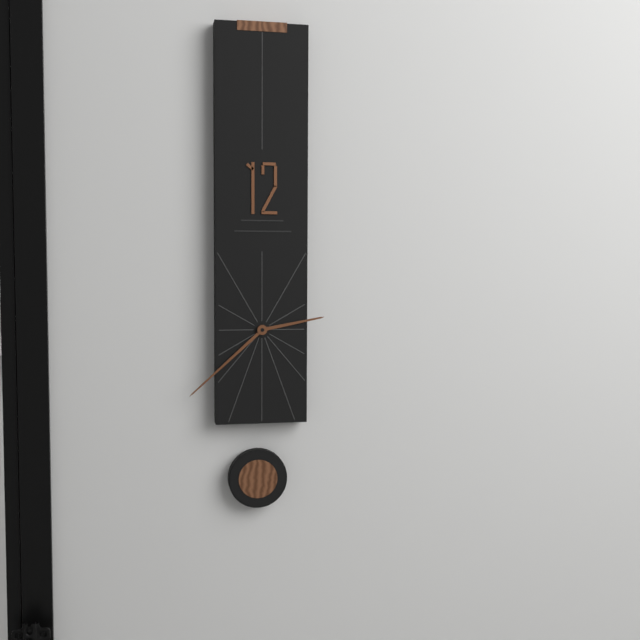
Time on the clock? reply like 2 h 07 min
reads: 2 h 38 min
